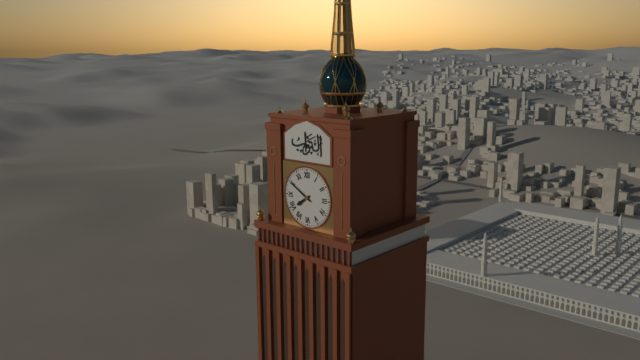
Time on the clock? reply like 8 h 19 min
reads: 7 h 50 min
